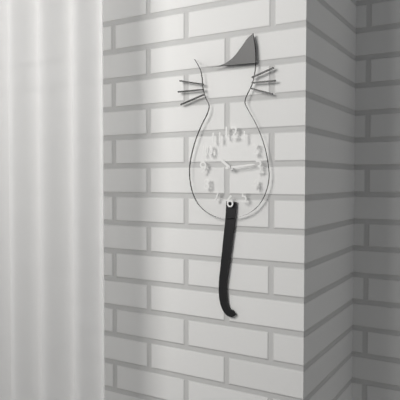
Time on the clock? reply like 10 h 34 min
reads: 10 h 14 min
